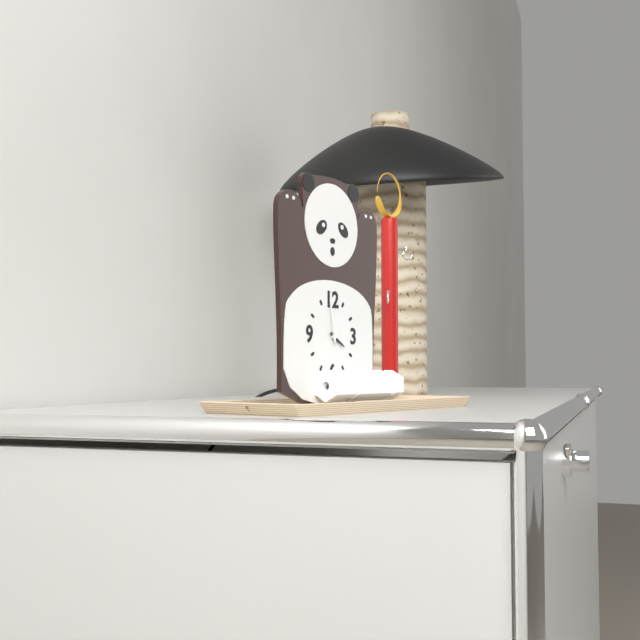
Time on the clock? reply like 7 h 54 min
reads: 3 h 58 min
